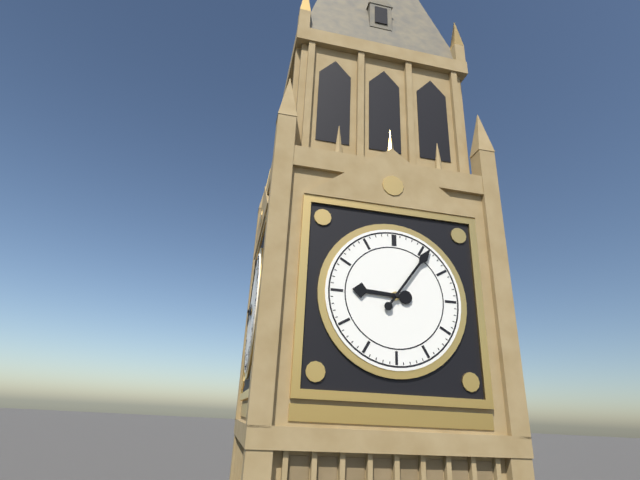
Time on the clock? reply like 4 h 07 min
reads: 9 h 06 min
